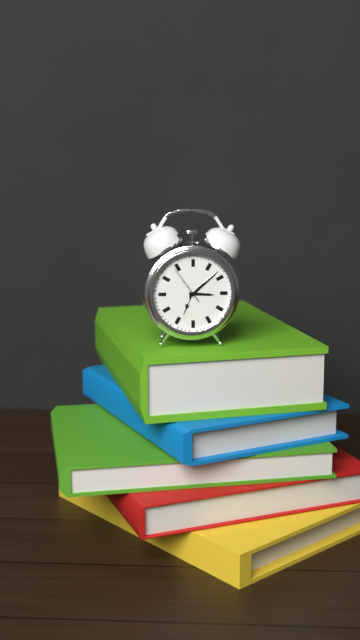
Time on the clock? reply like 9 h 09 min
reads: 3 h 08 min
